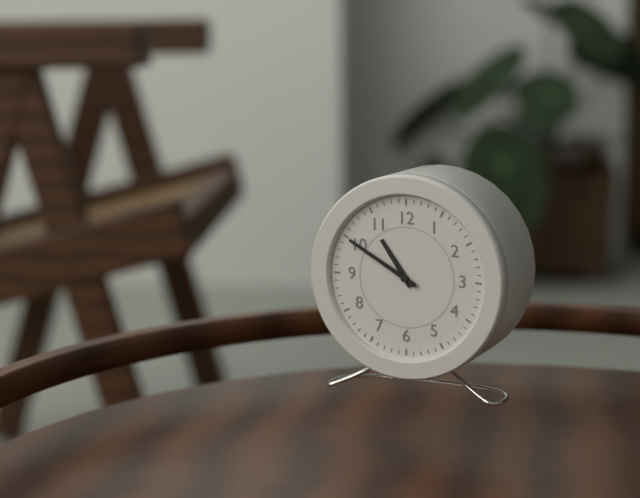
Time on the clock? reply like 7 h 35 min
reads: 10 h 50 min
